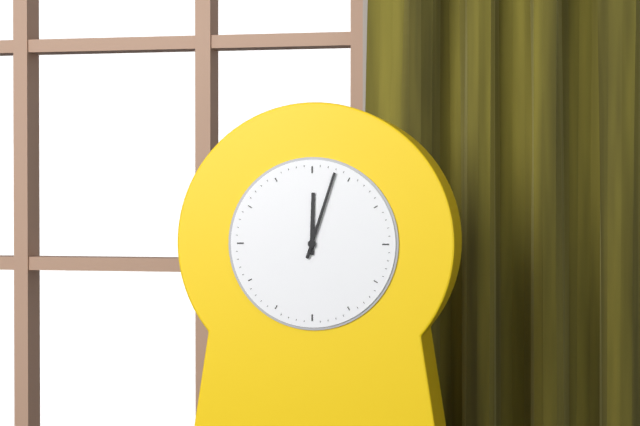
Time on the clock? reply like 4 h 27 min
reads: 12 h 03 min
